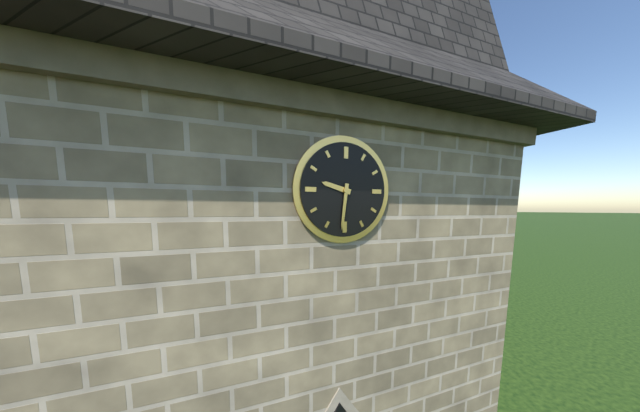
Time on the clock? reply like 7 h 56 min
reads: 9 h 31 min
